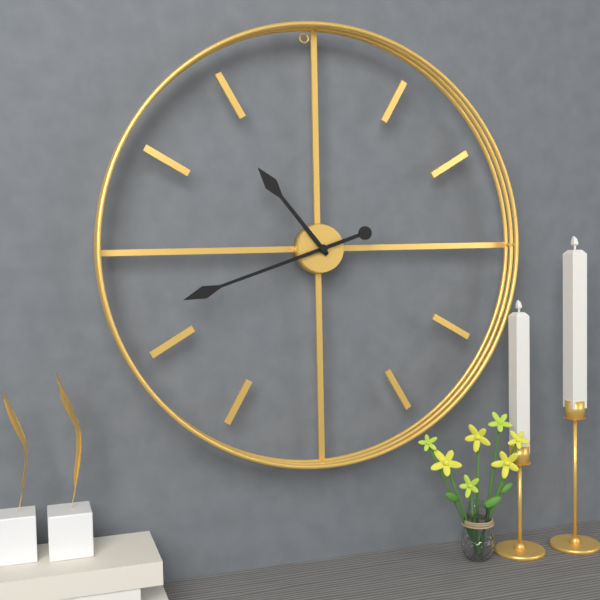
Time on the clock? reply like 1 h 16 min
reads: 10 h 42 min
